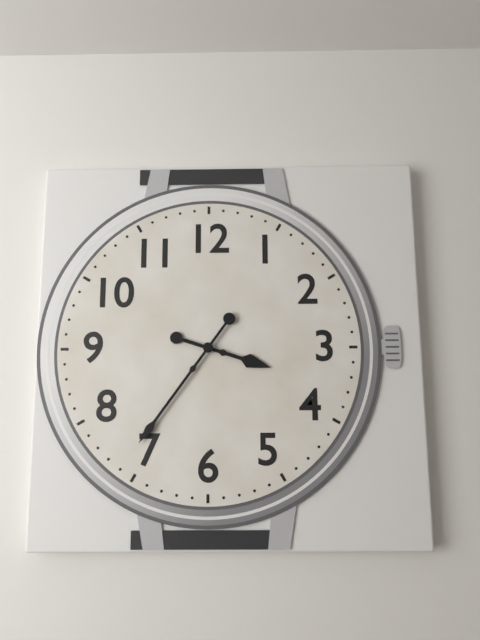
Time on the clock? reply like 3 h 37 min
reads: 3 h 36 min
